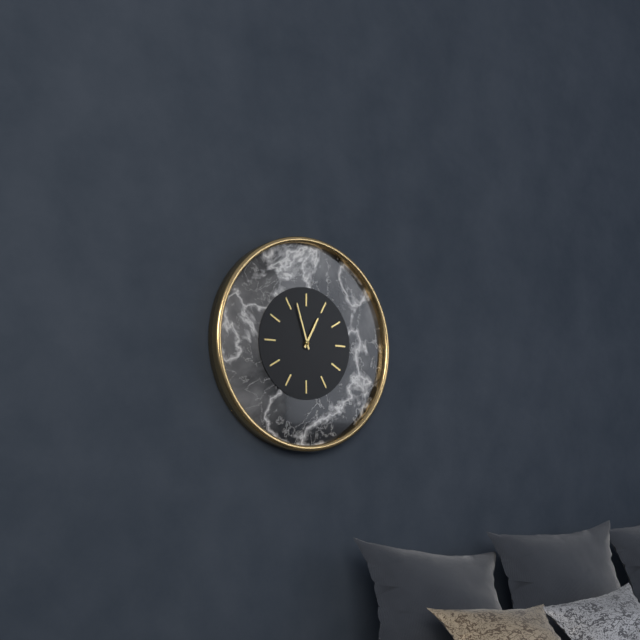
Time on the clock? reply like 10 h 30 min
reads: 12 h 57 min
